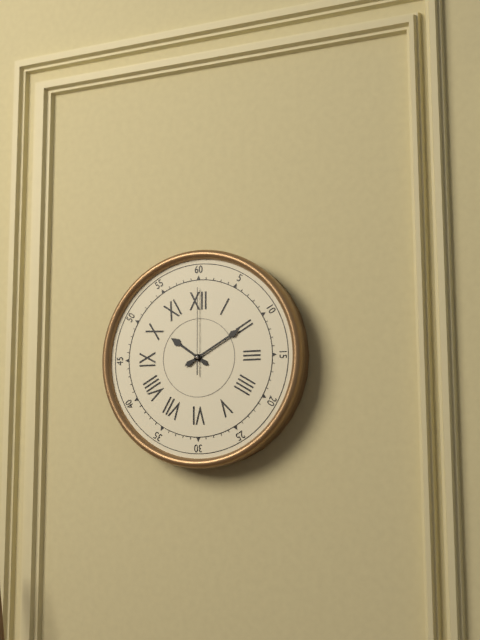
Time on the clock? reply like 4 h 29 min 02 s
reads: 10 h 10 min 00 s
